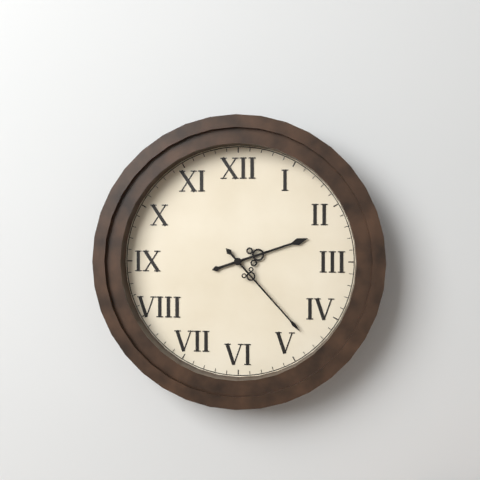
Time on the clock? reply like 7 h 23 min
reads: 2 h 23 min
